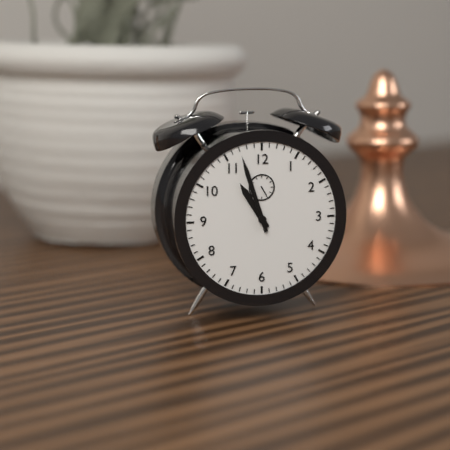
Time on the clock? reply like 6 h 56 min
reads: 10 h 57 min
